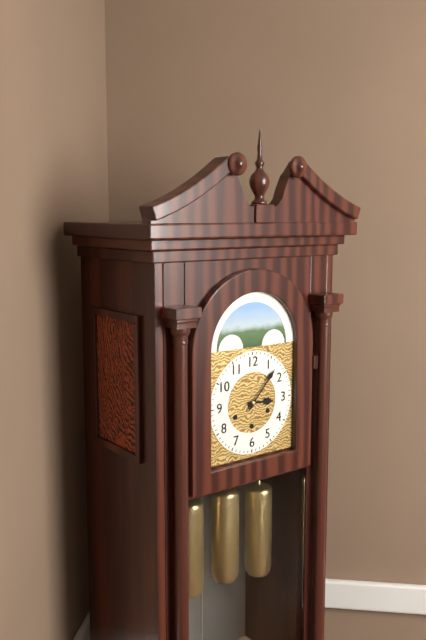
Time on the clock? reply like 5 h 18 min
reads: 3 h 07 min
